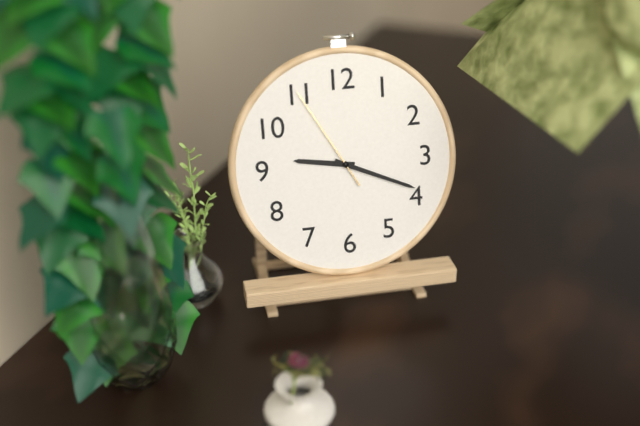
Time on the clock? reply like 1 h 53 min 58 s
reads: 9 h 19 min 55 s
